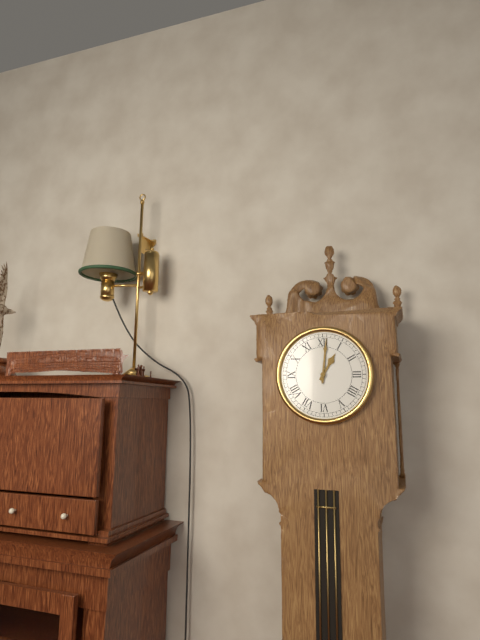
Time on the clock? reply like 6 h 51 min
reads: 1 h 01 min
